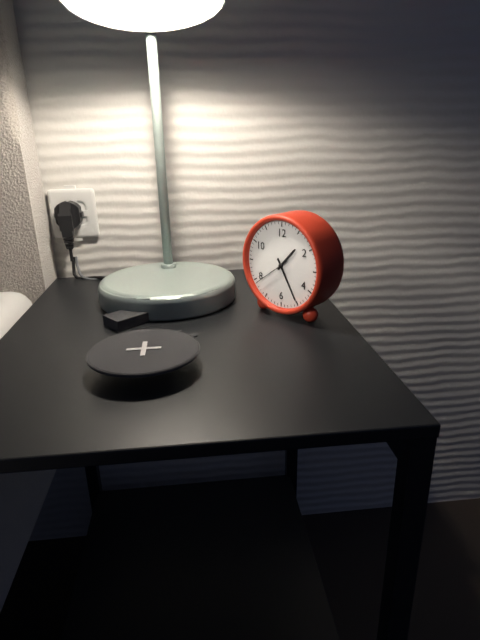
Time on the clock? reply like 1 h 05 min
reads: 1 h 25 min
